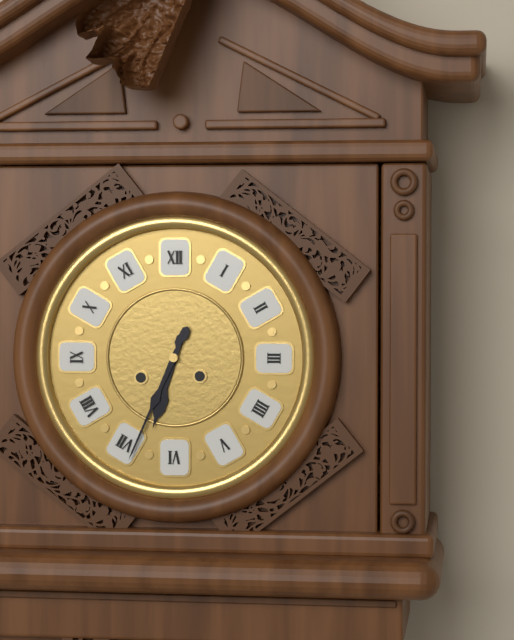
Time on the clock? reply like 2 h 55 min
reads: 6 h 34 min
